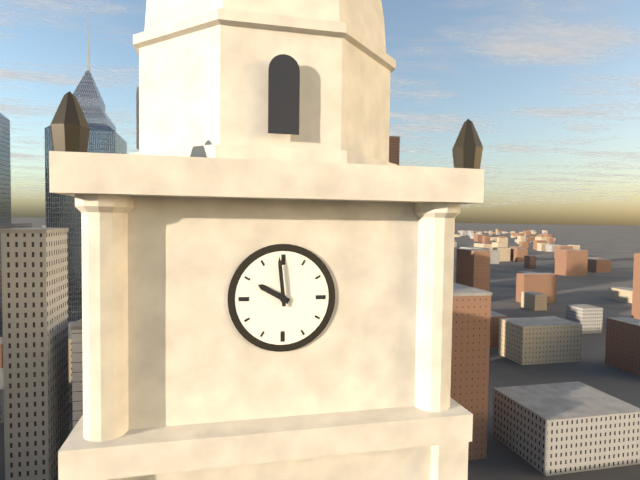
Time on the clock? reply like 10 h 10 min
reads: 9 h 59 min
